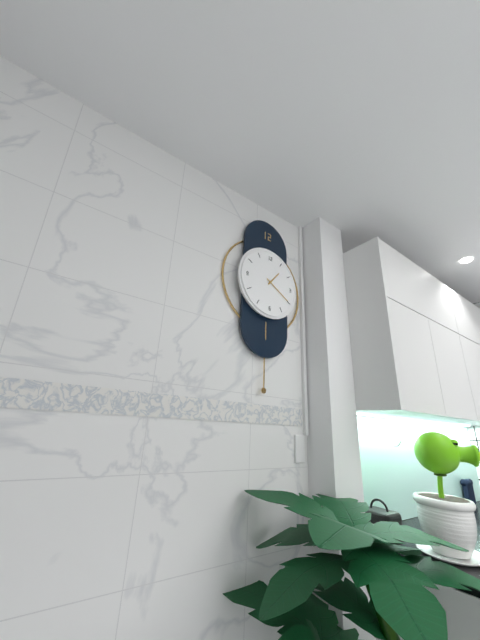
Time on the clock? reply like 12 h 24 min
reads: 1 h 20 min
